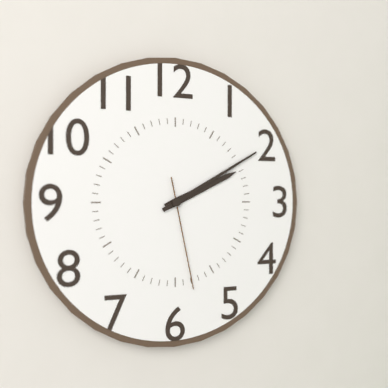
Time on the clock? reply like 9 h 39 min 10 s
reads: 2 h 10 min 28 s
